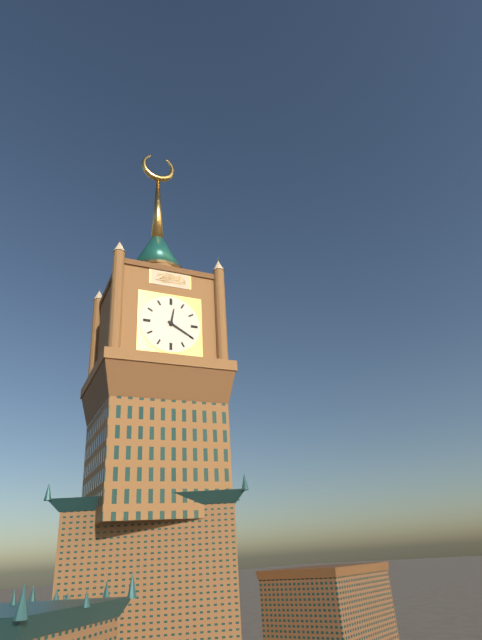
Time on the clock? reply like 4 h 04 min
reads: 12 h 20 min
